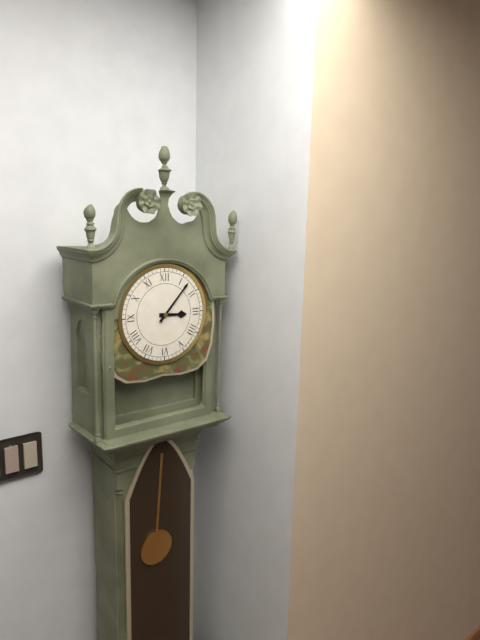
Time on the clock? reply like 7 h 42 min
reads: 3 h 07 min
